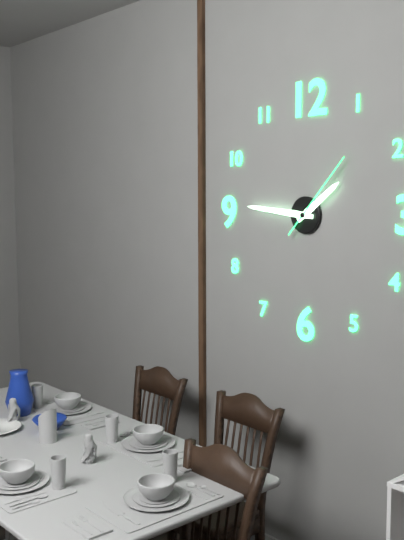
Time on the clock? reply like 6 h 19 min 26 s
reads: 1 h 46 min 07 s
